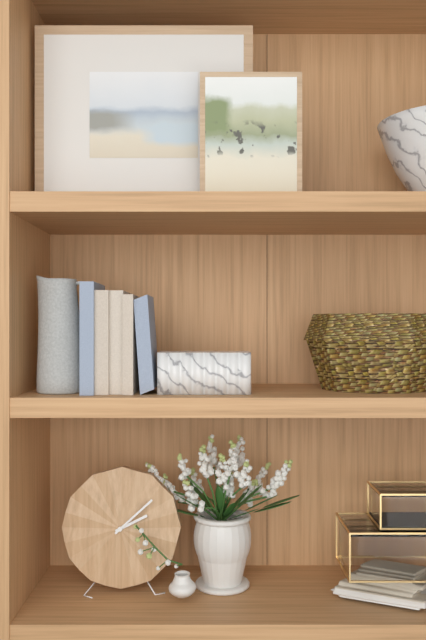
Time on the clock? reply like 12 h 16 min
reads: 2 h 08 min
